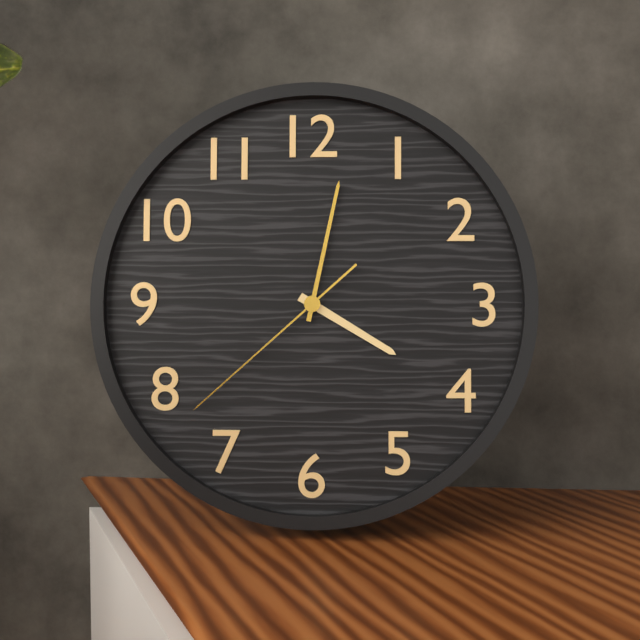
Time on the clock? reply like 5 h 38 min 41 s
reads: 4 h 02 min 38 s
